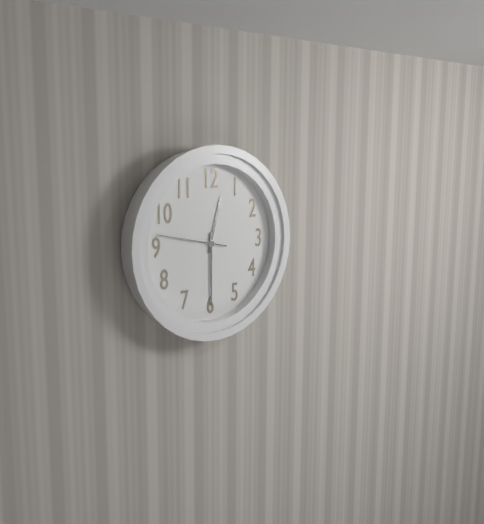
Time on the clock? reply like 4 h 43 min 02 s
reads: 12 h 30 min 47 s
